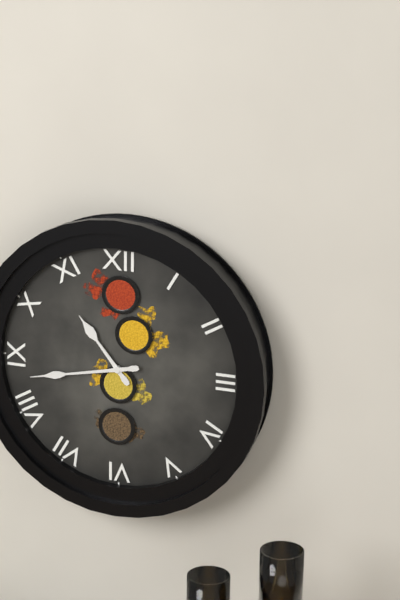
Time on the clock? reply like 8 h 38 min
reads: 10 h 43 min
